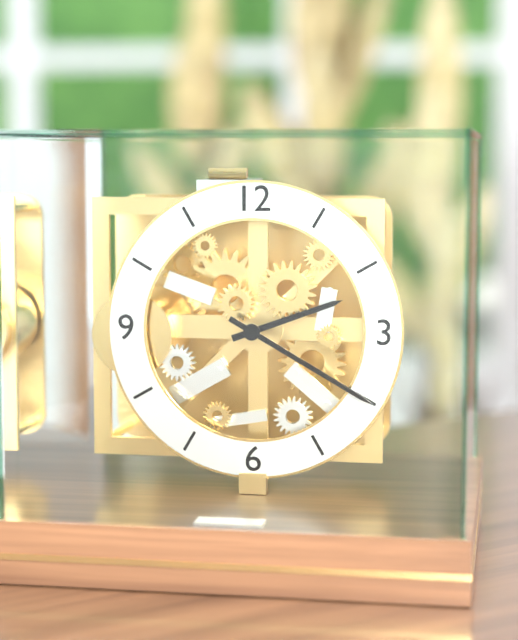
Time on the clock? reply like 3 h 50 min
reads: 2 h 20 min
